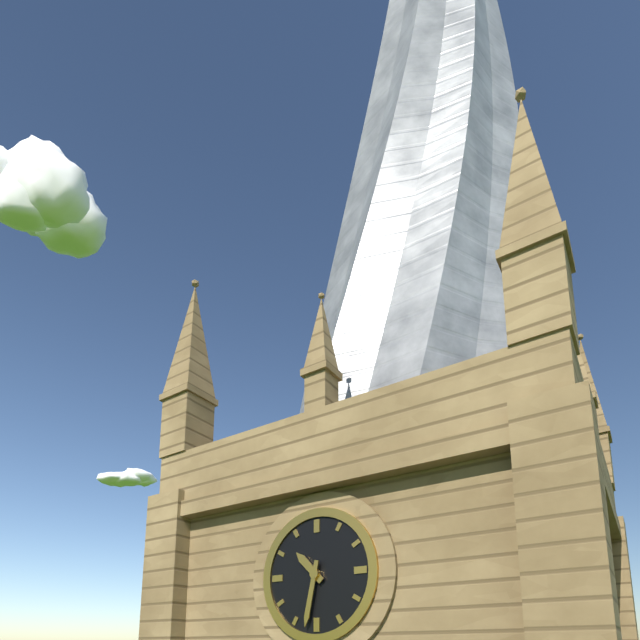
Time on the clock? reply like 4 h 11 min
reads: 10 h 32 min
